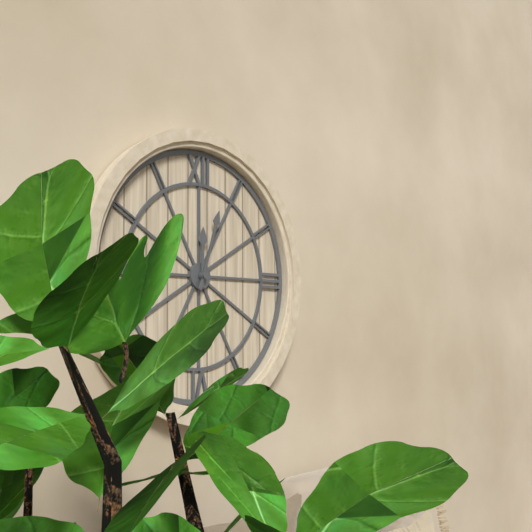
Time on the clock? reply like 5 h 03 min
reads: 12 h 03 min
